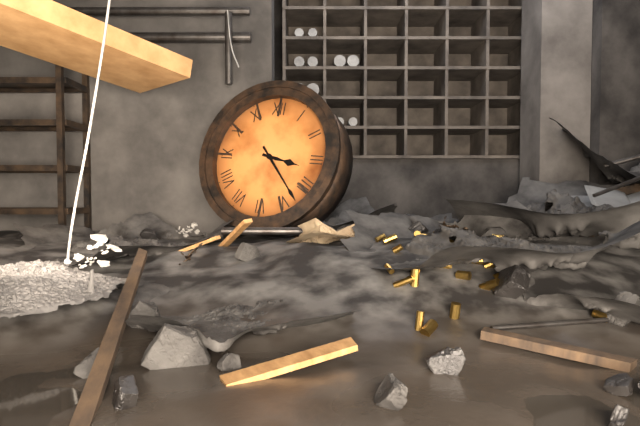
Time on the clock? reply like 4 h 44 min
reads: 3 h 23 min
